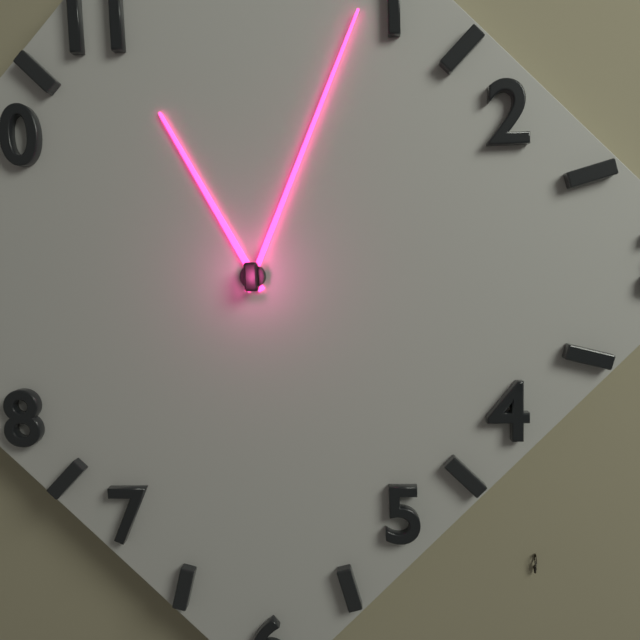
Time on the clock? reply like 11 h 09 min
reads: 11 h 04 min
